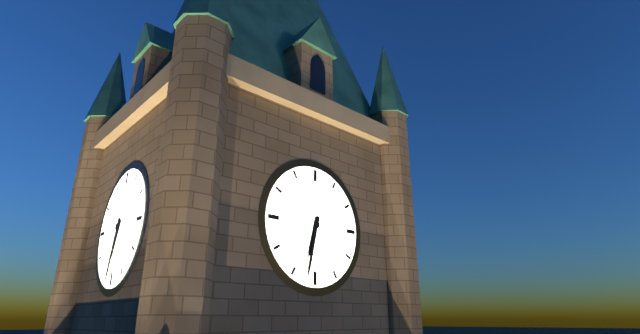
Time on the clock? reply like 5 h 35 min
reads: 6 h 32 min
